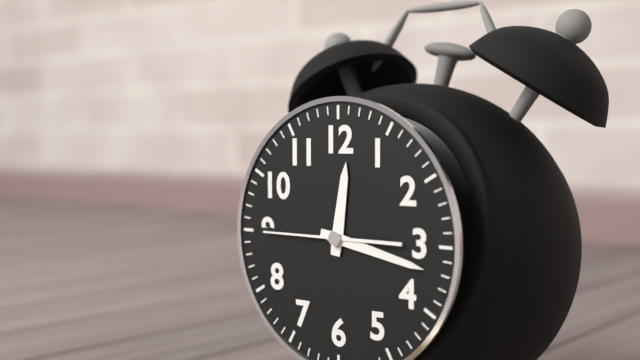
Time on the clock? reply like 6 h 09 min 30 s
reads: 12 h 17 min 45 s
